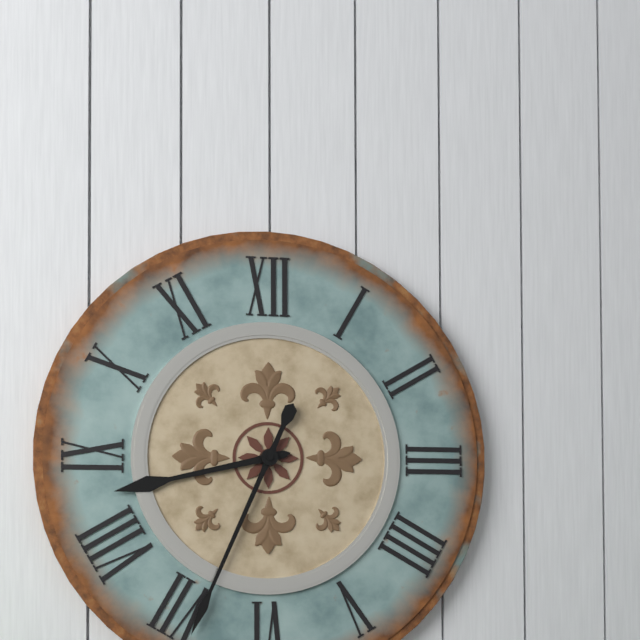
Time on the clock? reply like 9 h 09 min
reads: 8 h 34 min
